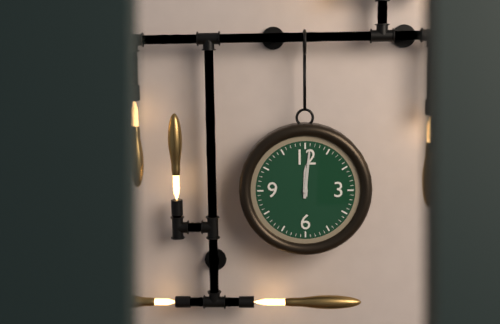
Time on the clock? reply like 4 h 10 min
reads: 12 h 01 min
